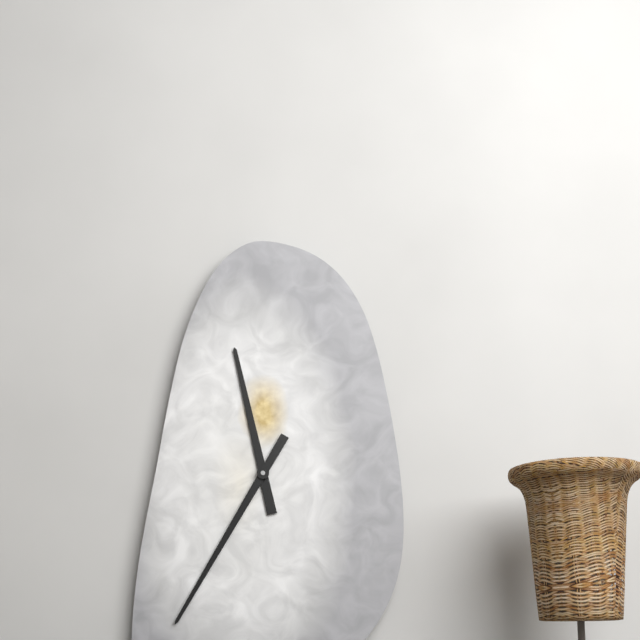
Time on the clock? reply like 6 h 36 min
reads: 11 h 35 min
